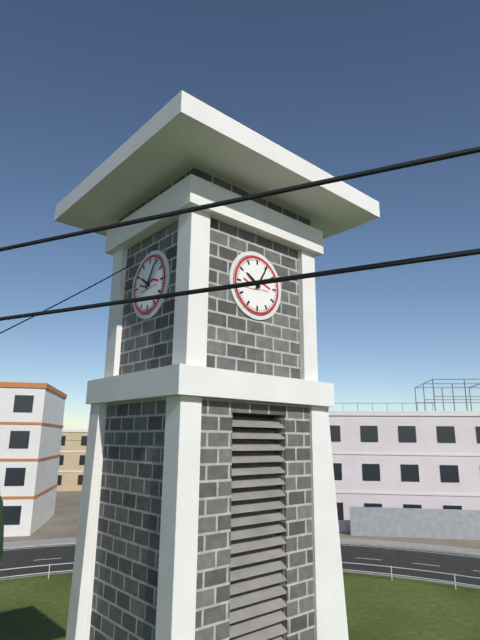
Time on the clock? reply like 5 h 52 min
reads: 10 h 05 min
